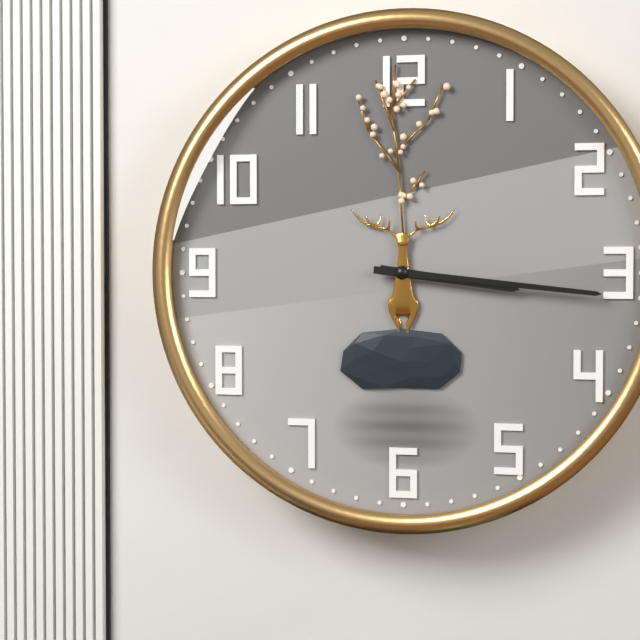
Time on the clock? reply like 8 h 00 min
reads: 3 h 16 min
